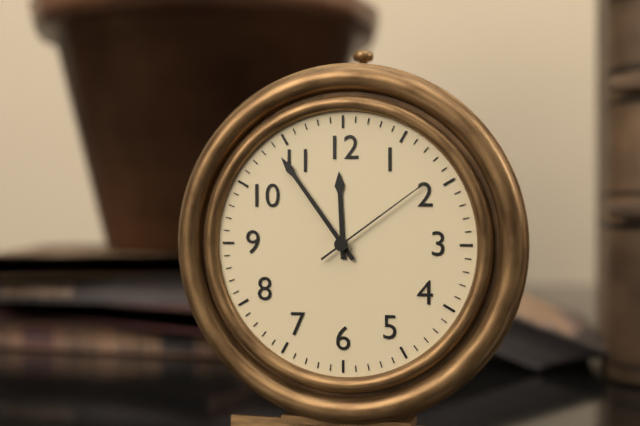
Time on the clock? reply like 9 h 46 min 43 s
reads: 11 h 54 min 09 s
